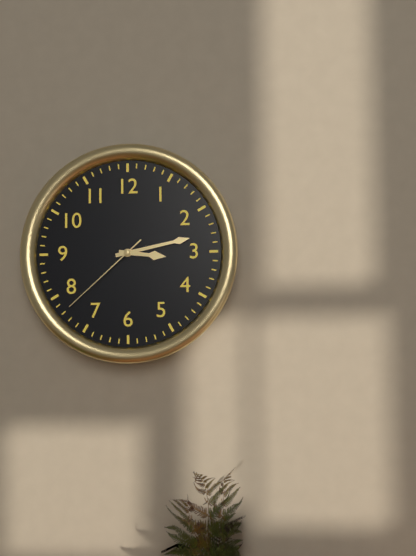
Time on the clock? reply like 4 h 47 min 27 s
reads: 3 h 13 min 38 s
